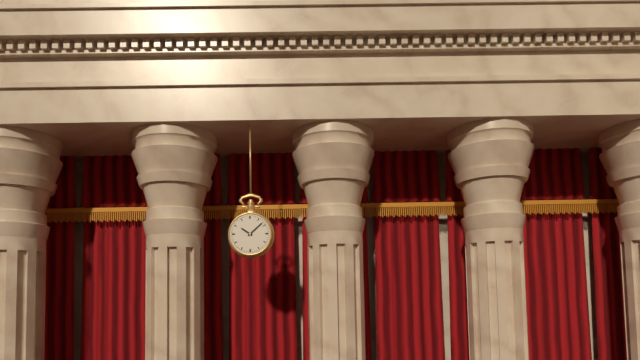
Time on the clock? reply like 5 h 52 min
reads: 10 h 08 min
